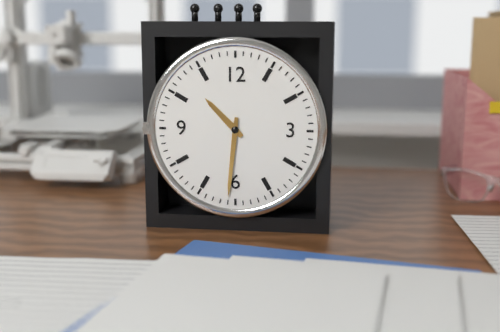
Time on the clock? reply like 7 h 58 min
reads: 10 h 31 min
